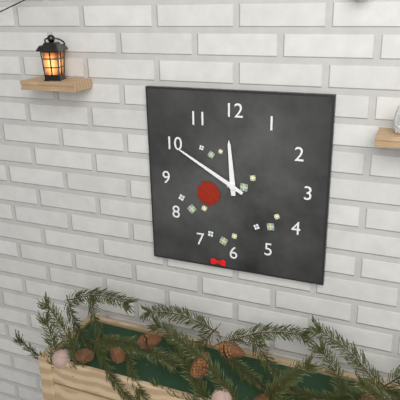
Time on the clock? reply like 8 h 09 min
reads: 11 h 50 min
